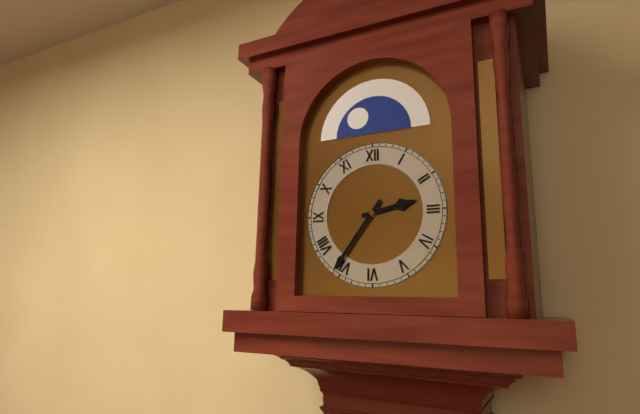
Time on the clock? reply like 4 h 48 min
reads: 2 h 36 min
